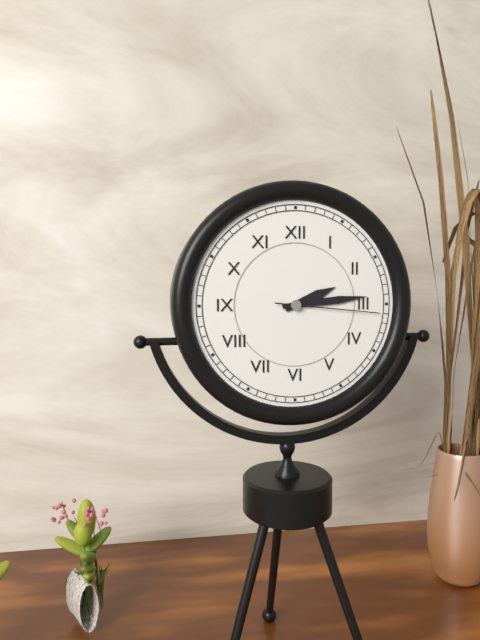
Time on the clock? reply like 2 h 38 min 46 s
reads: 2 h 14 min 16 s
